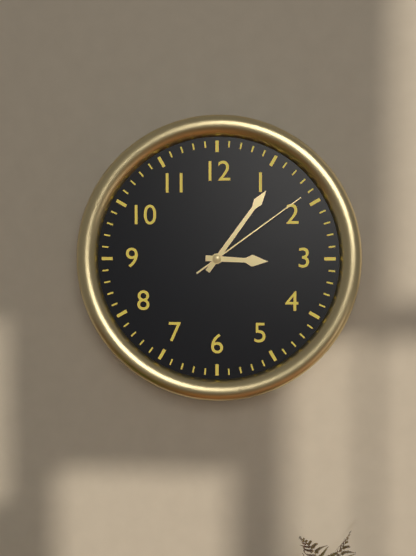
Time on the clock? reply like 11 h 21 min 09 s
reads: 3 h 06 min 09 s
